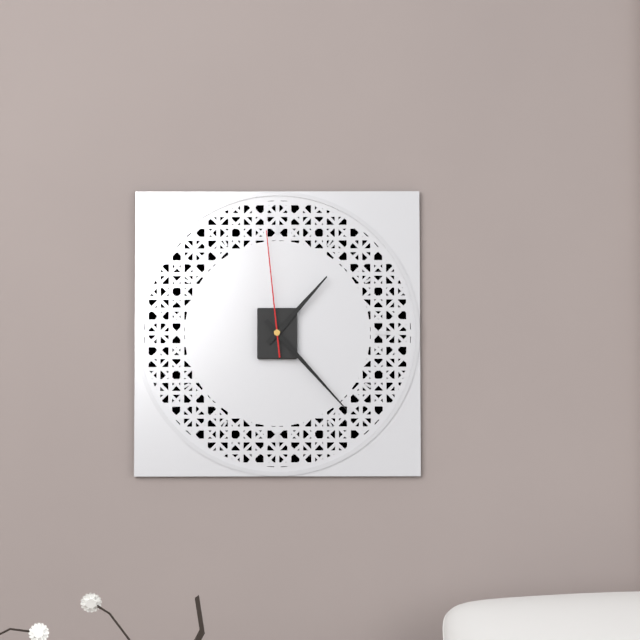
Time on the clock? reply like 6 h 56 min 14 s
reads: 1 h 23 min 59 s
